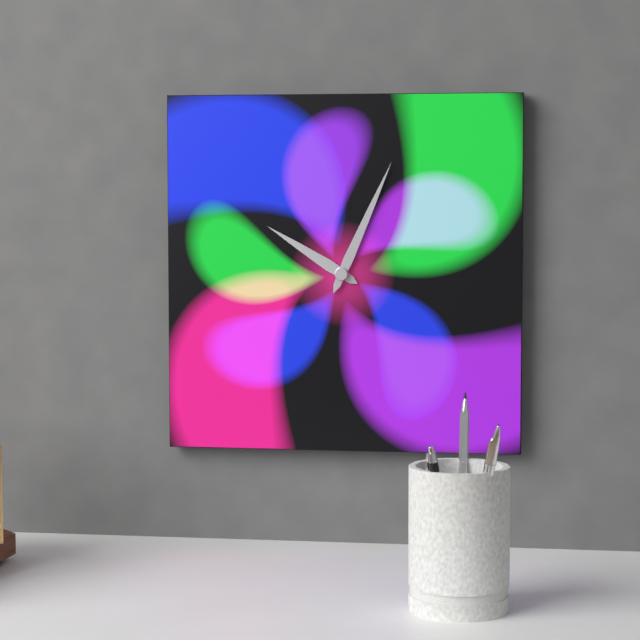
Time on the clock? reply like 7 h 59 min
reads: 10 h 04 min
